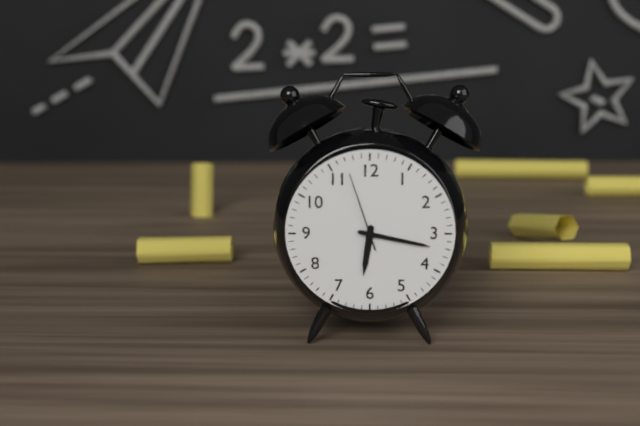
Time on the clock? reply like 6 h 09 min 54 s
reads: 6 h 17 min 57 s
